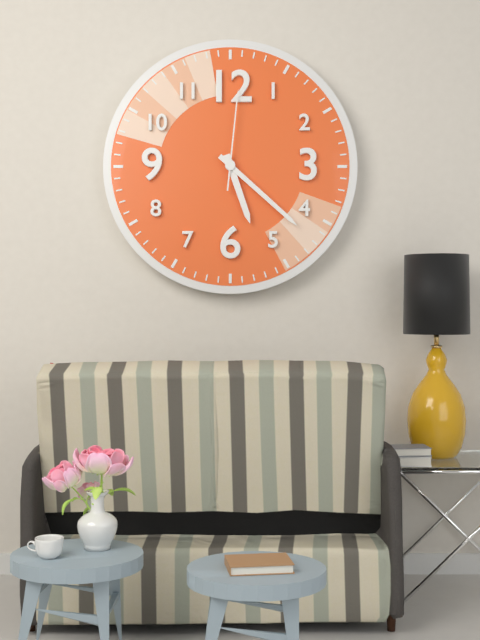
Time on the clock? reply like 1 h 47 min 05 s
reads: 5 h 22 min 01 s
